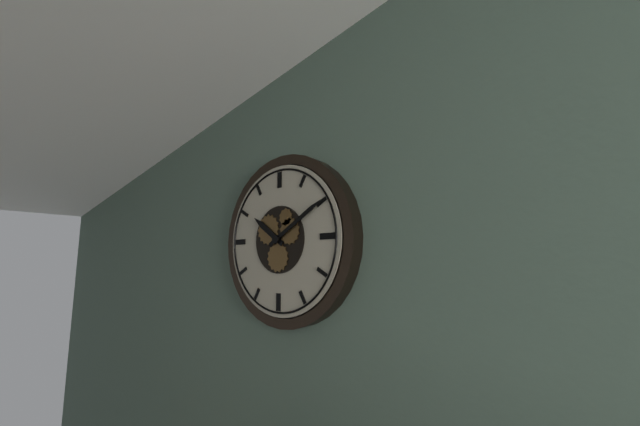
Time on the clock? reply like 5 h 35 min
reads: 10 h 10 min
